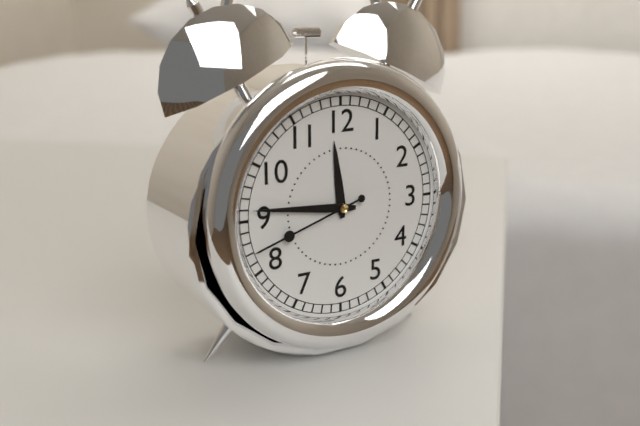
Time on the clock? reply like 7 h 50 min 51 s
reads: 11 h 46 min 42 s
